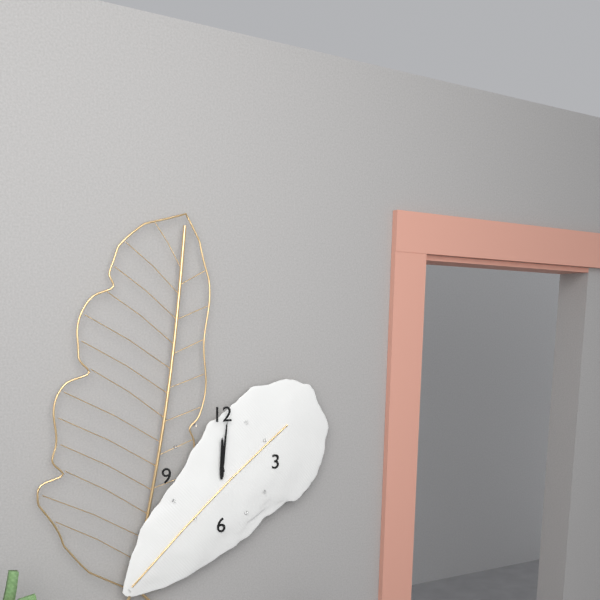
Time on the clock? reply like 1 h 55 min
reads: 12 h 01 min
